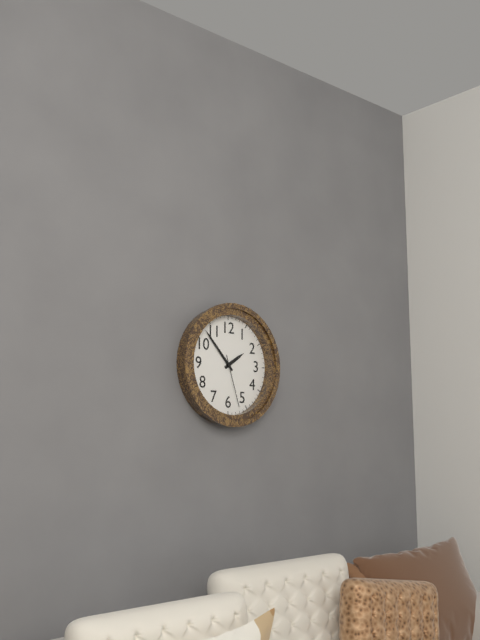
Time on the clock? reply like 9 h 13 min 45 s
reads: 1 h 53 min 27 s
